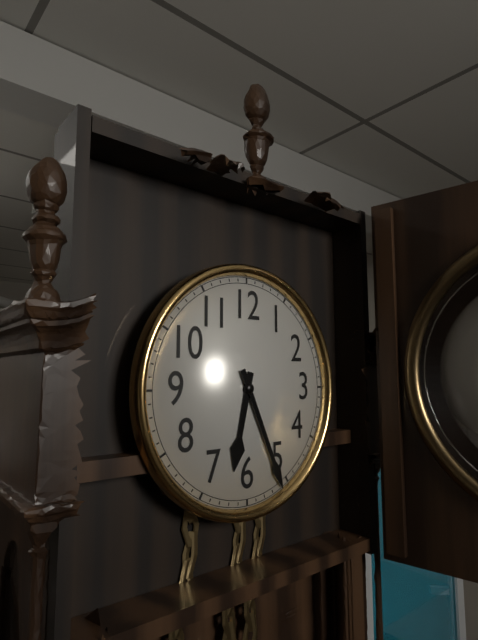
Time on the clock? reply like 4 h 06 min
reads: 6 h 26 min
